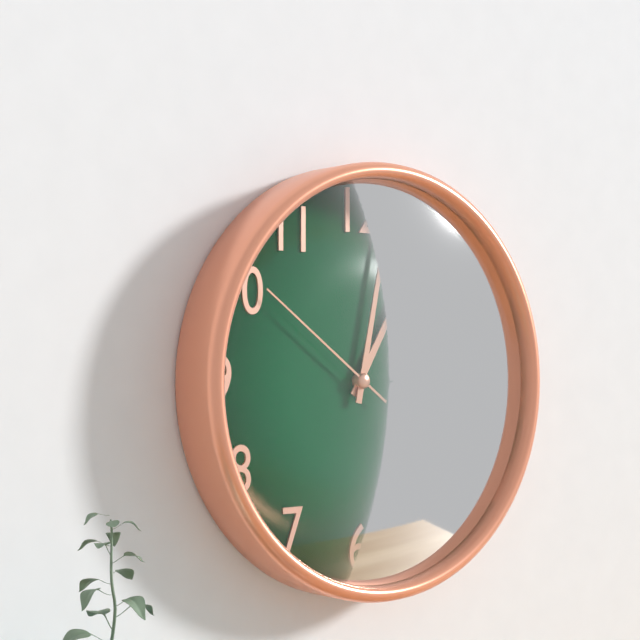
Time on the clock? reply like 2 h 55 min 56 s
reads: 1 h 02 min 51 s
